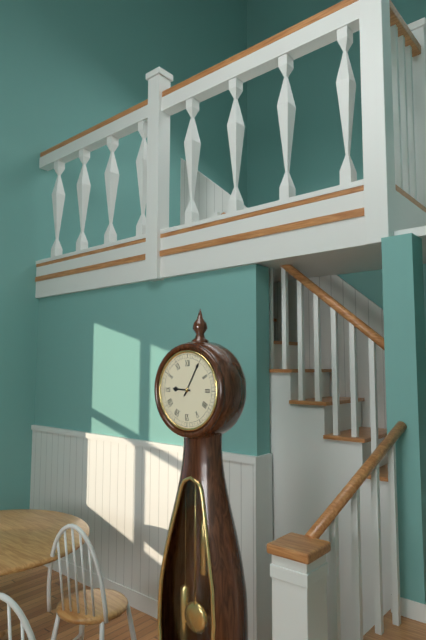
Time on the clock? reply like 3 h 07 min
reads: 9 h 05 min
